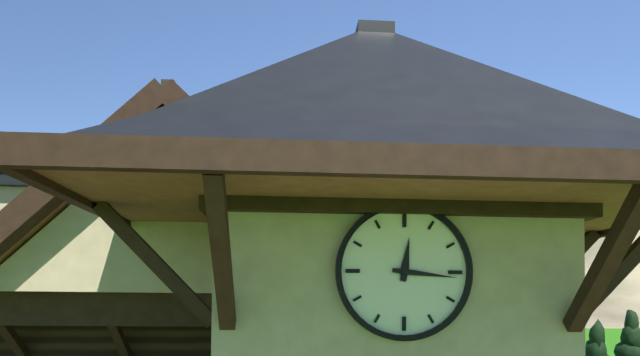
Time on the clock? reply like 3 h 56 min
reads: 12 h 16 min
